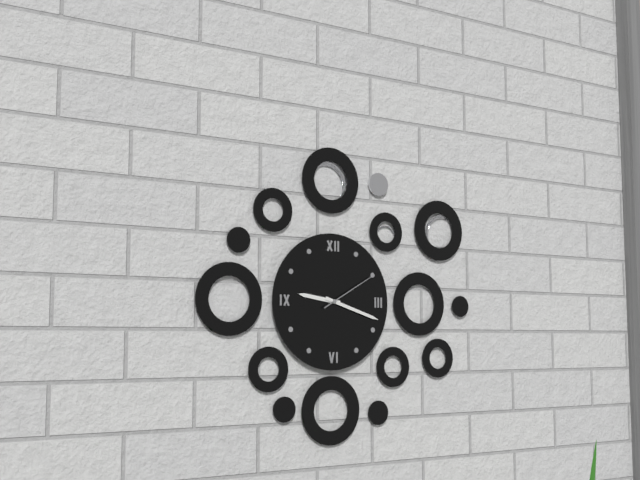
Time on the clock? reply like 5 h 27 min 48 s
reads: 9 h 18 min 10 s
